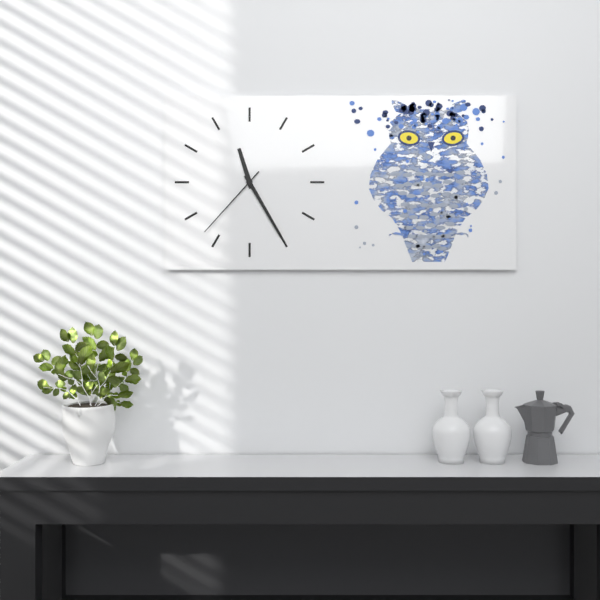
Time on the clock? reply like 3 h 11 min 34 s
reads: 11 h 25 min 37 s
